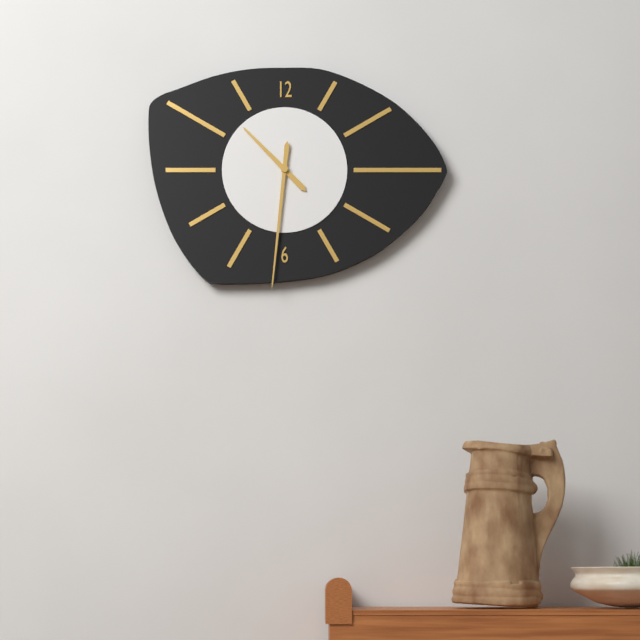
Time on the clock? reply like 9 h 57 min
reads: 10 h 31 min
